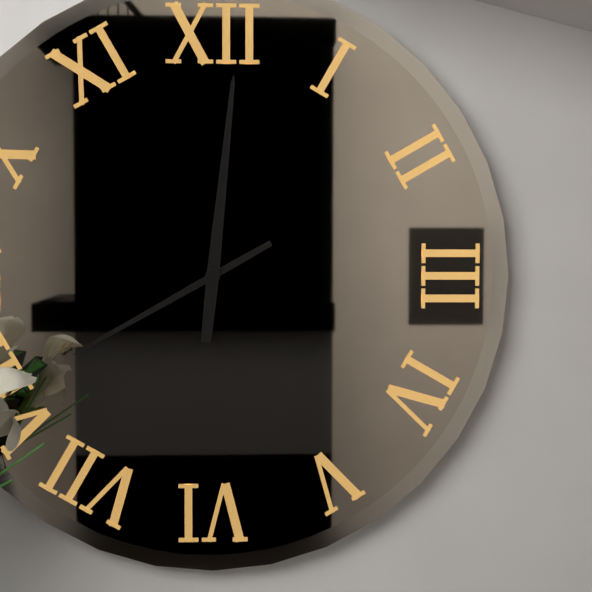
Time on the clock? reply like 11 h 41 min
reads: 8 h 01 min
